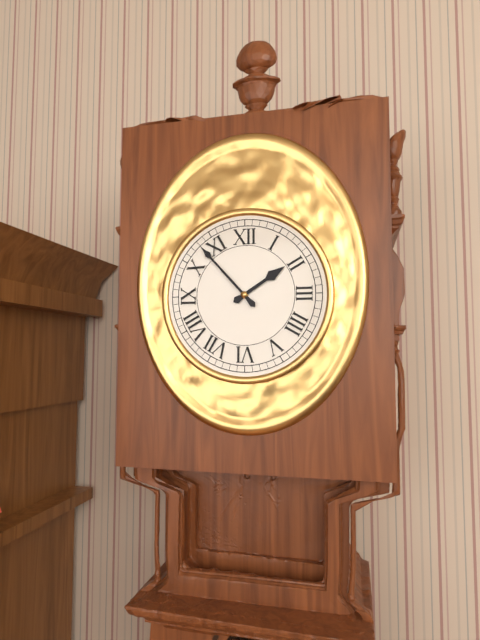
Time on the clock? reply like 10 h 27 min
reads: 1 h 53 min
